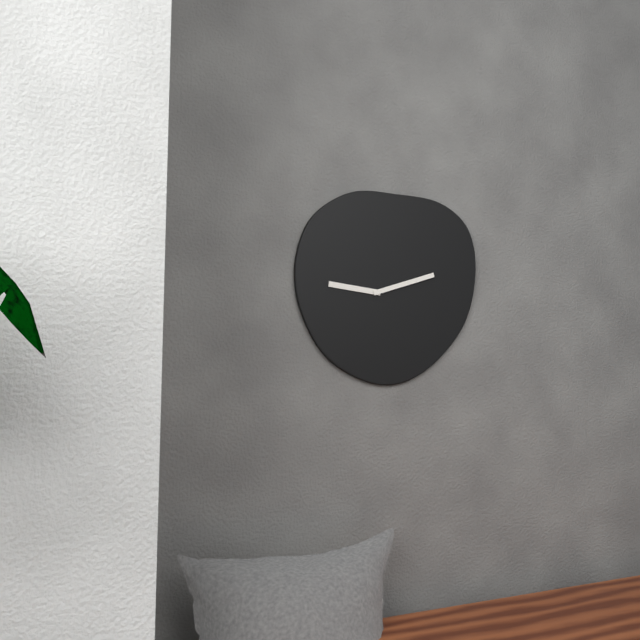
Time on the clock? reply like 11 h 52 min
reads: 9 h 12 min
